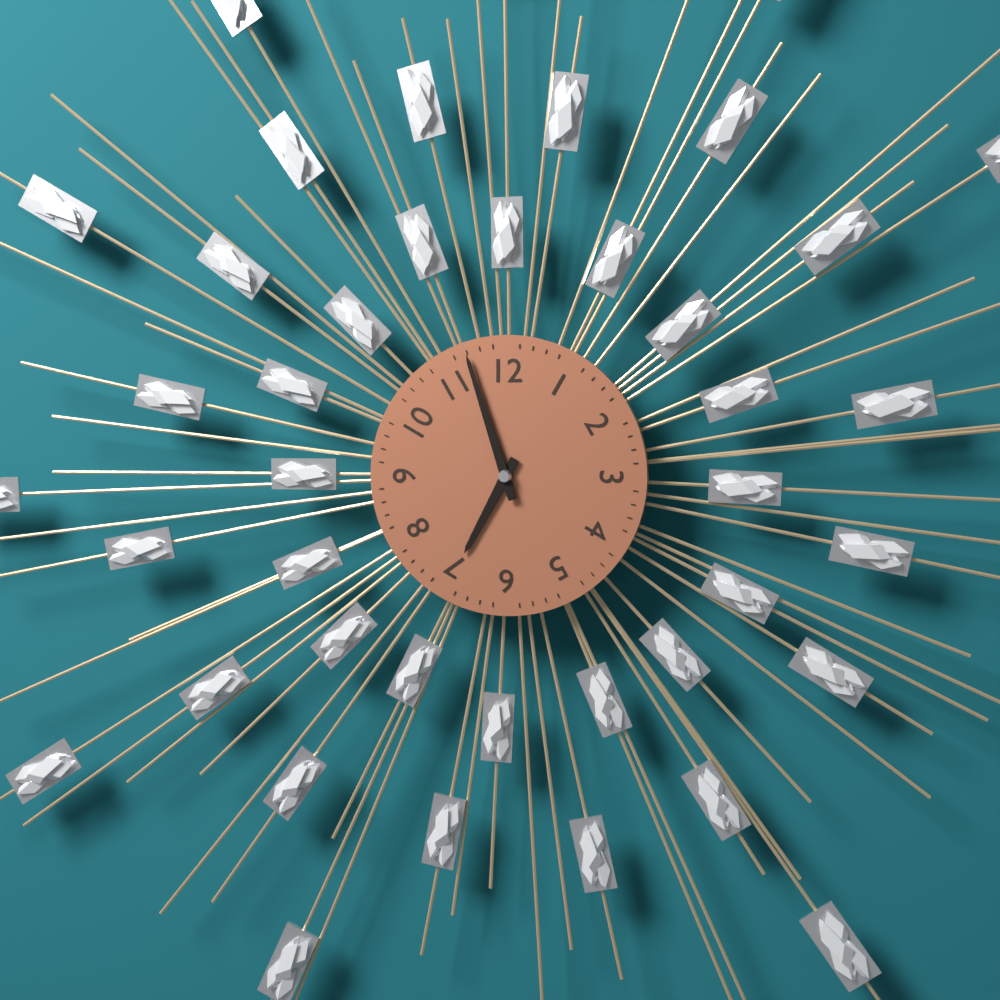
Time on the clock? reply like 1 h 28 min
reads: 6 h 57 min
